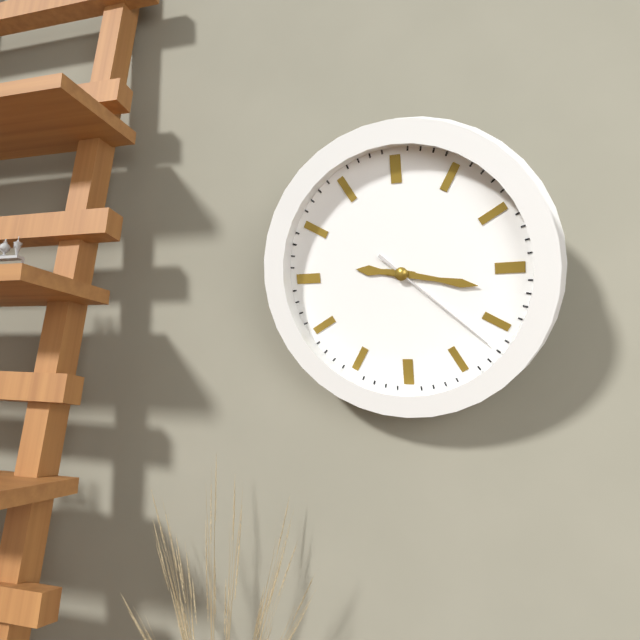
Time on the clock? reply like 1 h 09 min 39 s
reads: 9 h 17 min 22 s
